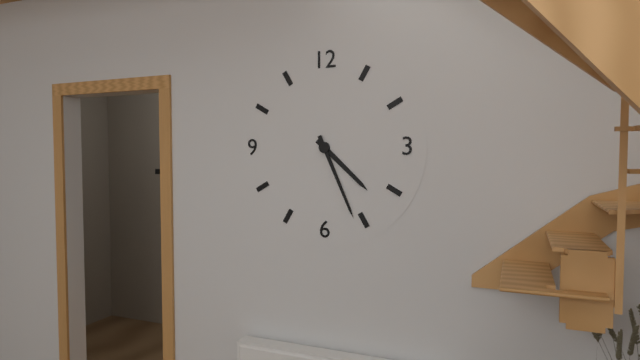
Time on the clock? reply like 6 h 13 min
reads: 4 h 26 min
